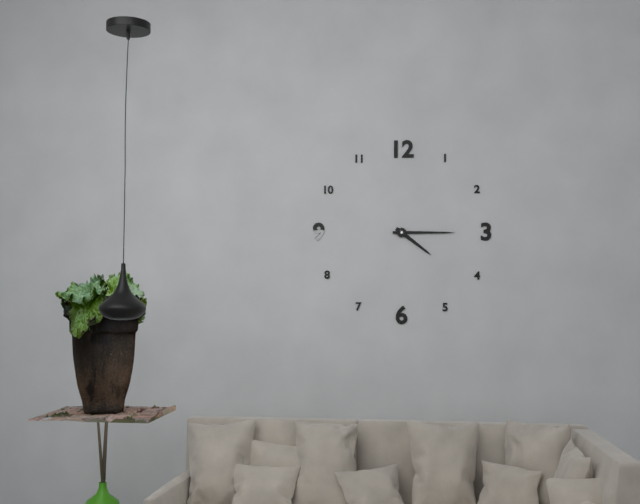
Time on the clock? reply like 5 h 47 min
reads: 4 h 15 min
